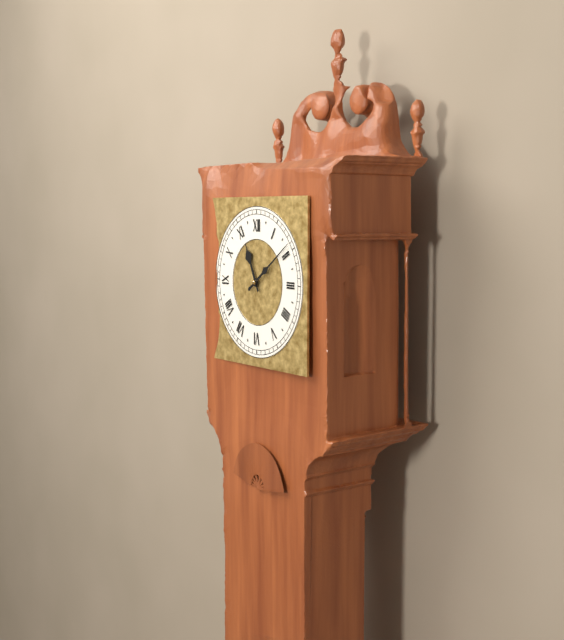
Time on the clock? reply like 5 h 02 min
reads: 11 h 09 min
